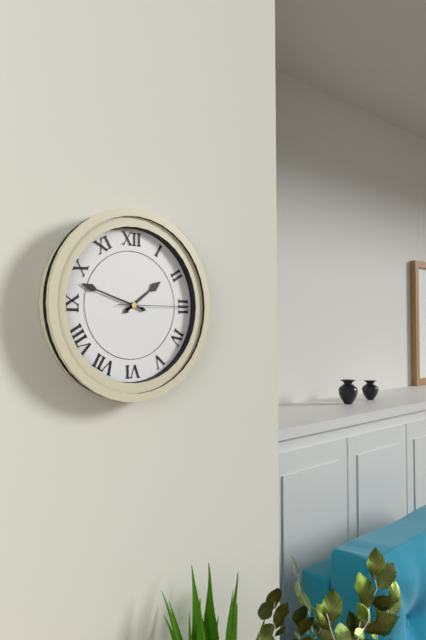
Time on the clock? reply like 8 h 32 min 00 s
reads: 1 h 48 min 15 s
